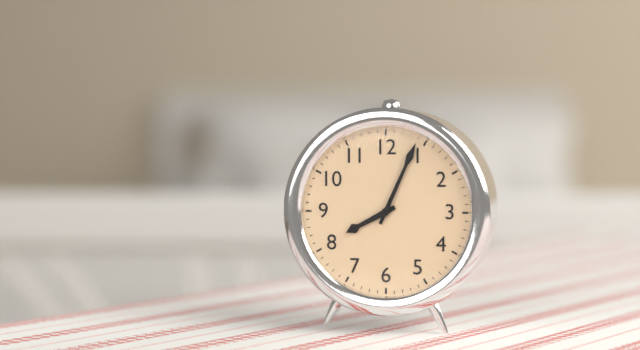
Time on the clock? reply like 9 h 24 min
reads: 8 h 04 min
